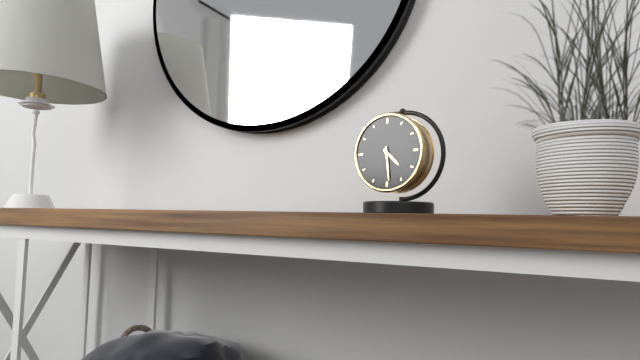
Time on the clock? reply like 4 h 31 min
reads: 4 h 29 min
